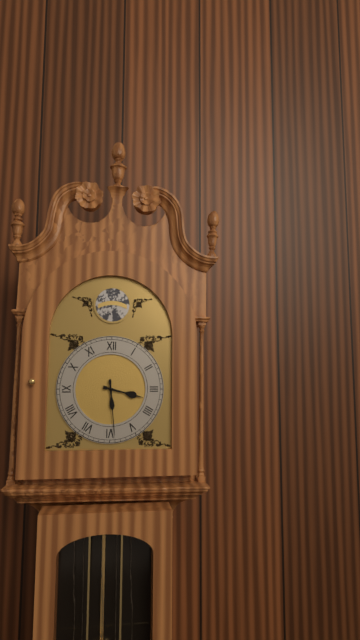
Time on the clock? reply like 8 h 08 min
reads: 3 h 29 min
